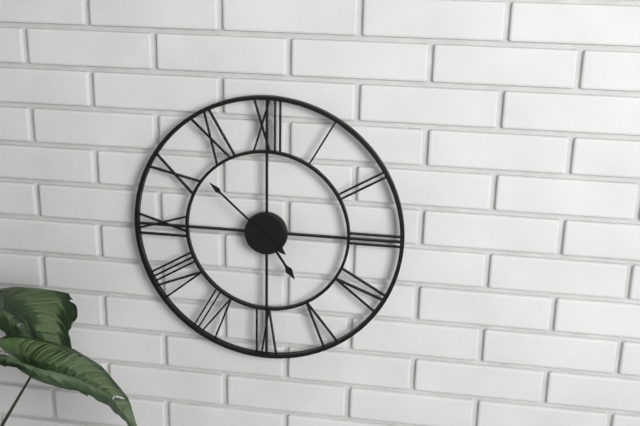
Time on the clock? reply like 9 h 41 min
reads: 4 h 52 min
